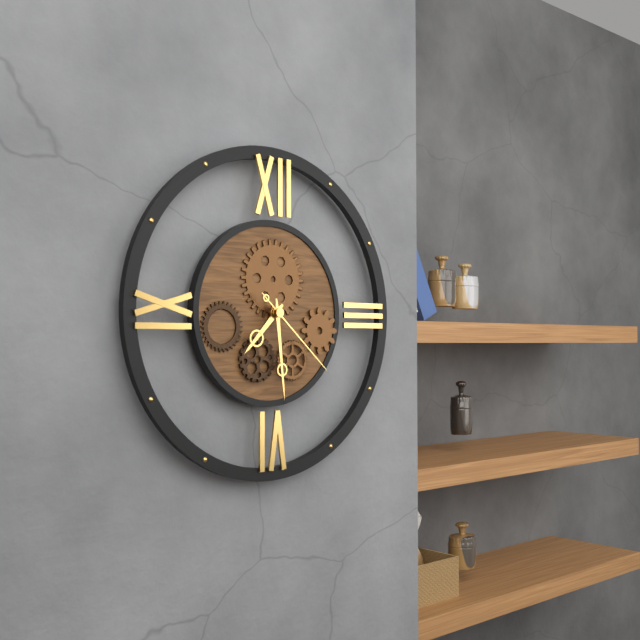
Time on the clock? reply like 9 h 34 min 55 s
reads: 7 h 29 min 22 s
